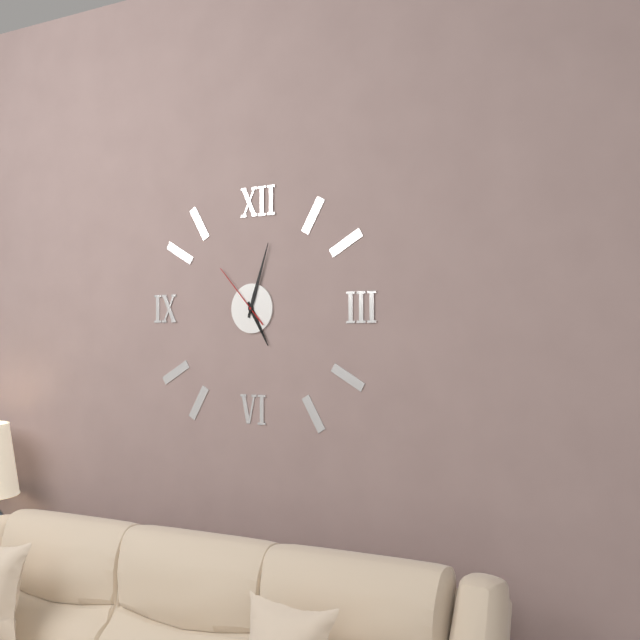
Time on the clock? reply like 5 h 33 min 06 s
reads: 5 h 03 min 53 s
